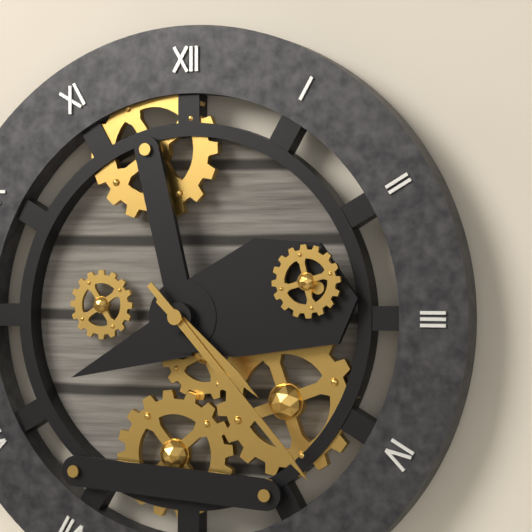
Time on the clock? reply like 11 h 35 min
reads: 4 h 23 min
